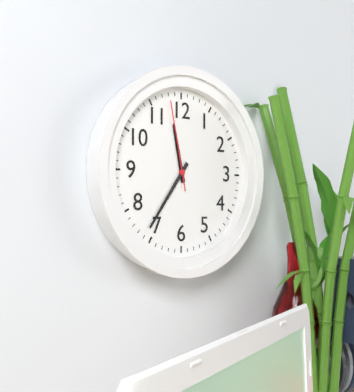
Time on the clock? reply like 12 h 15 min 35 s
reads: 11 h 36 min 58 s
